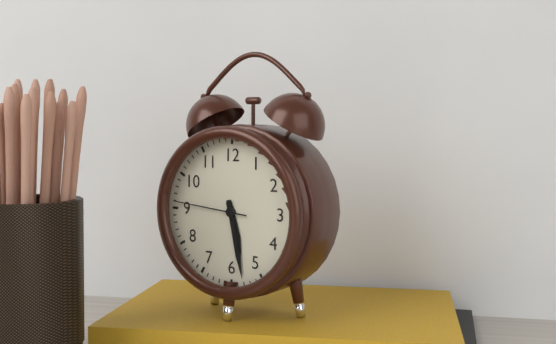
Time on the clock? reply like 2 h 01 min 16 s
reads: 5 h 28 min 46 s
